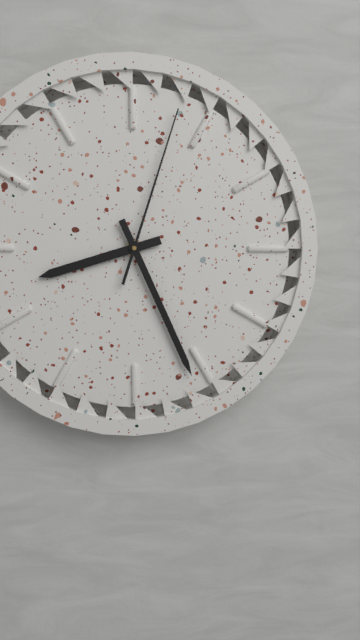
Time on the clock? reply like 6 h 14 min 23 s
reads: 8 h 26 min 03 s
